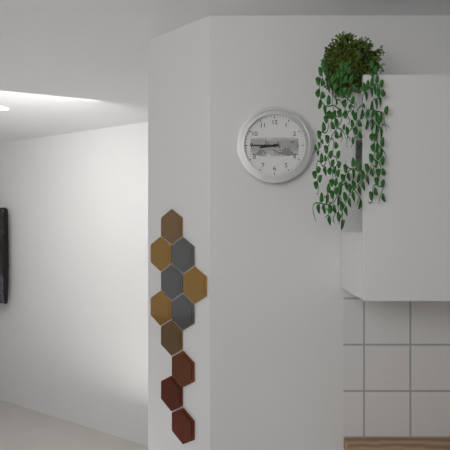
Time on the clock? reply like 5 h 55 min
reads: 8 h 45 min
